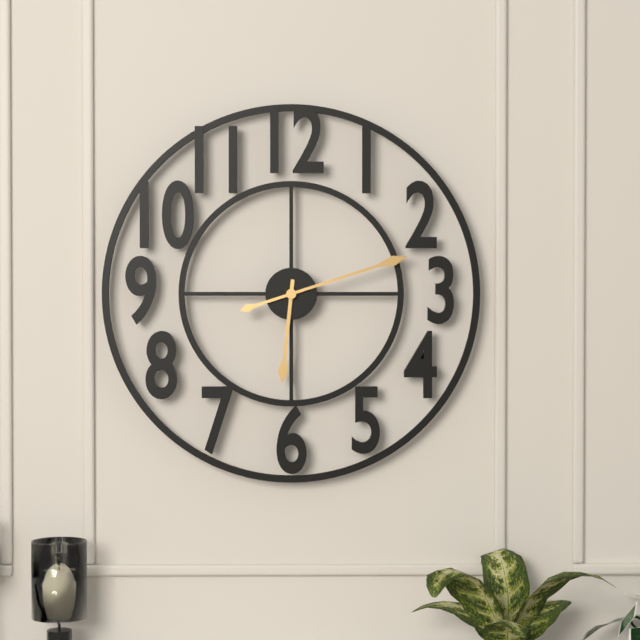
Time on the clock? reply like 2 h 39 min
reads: 6 h 12 min
